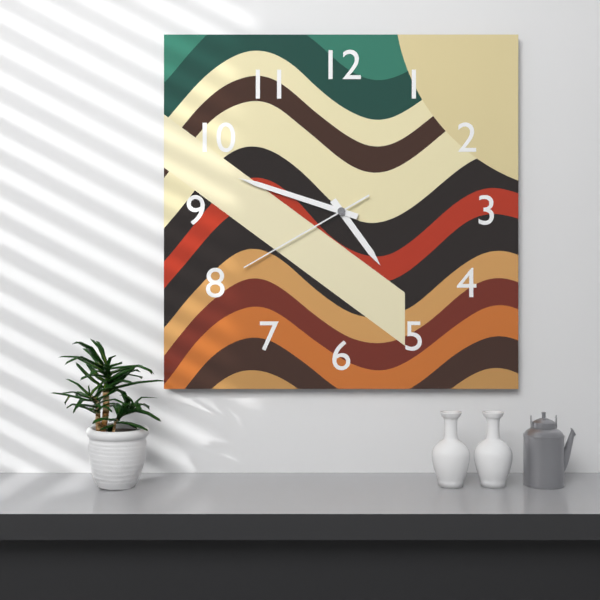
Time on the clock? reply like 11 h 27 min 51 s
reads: 4 h 48 min 40 s
